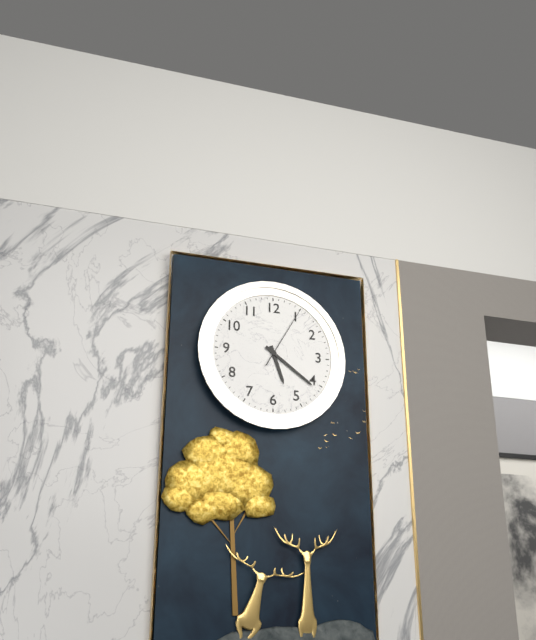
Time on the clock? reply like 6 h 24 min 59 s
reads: 5 h 21 min 05 s
